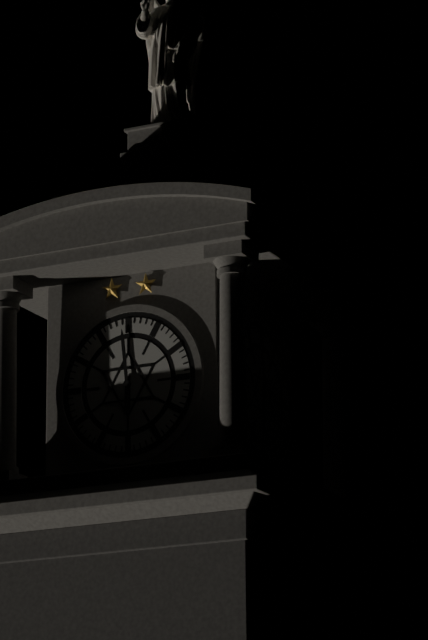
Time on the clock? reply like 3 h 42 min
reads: 5 h 59 min
